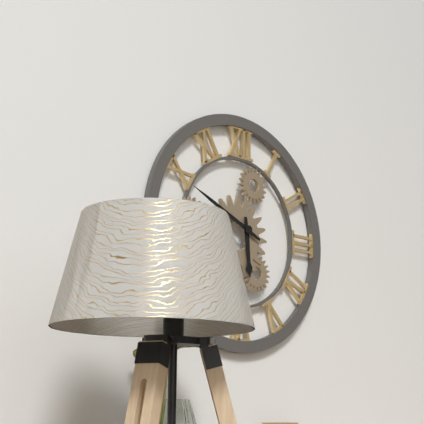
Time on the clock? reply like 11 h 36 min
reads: 5 h 49 min
